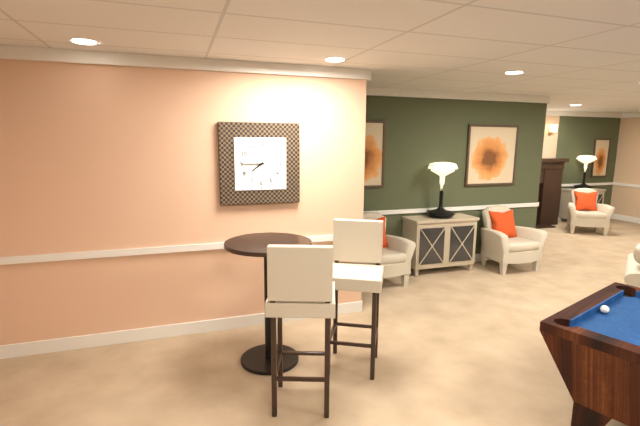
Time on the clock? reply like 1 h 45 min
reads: 7 h 45 min
